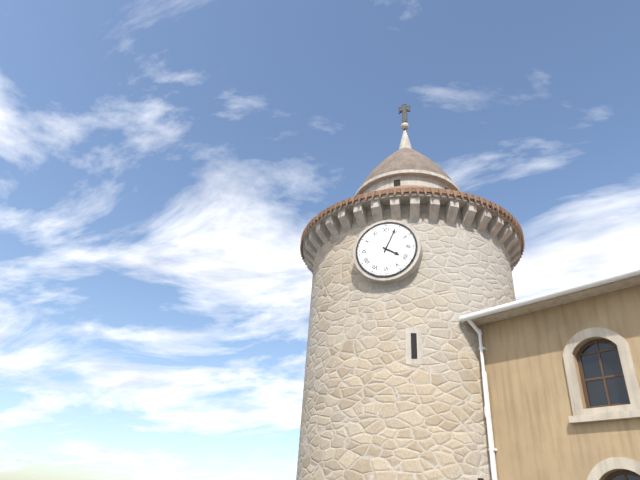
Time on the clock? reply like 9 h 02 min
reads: 4 h 04 min
